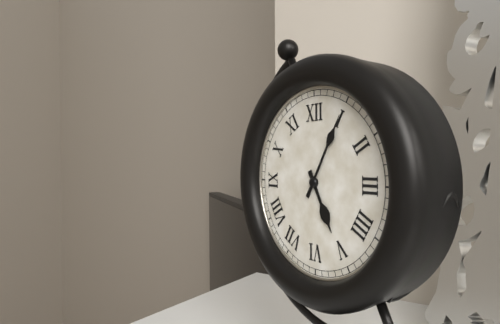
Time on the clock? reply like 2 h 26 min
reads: 5 h 05 min
